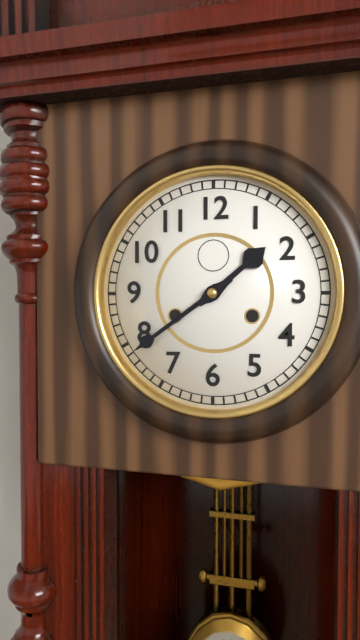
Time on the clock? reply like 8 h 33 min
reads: 1 h 39 min
